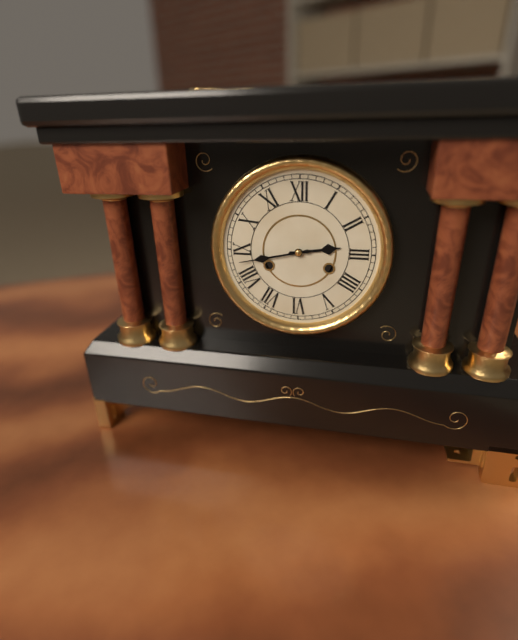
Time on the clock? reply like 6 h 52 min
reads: 2 h 43 min
